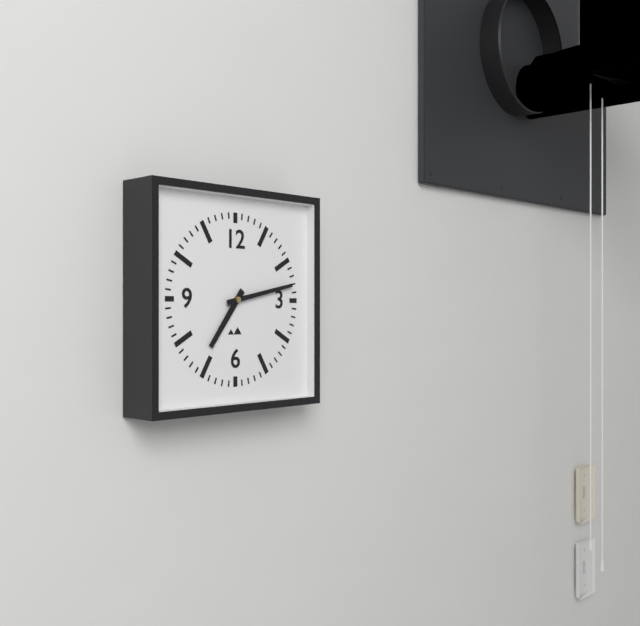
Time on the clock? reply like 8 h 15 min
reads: 7 h 13 min
